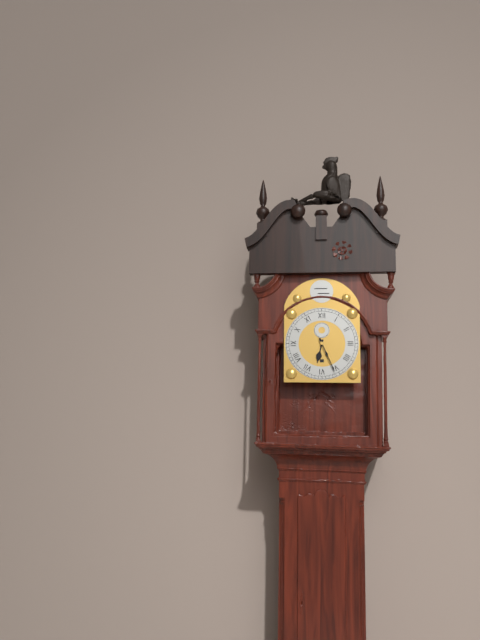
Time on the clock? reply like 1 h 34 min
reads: 6 h 26 min
